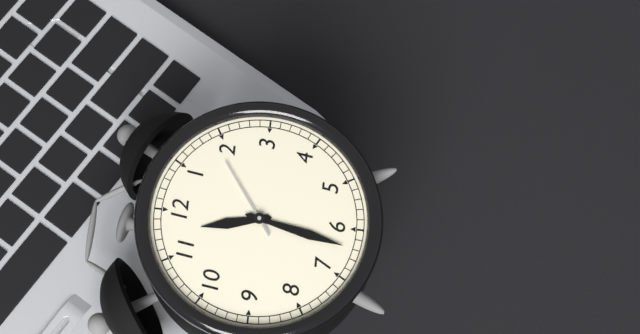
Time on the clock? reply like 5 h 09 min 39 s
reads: 11 h 32 min 09 s
